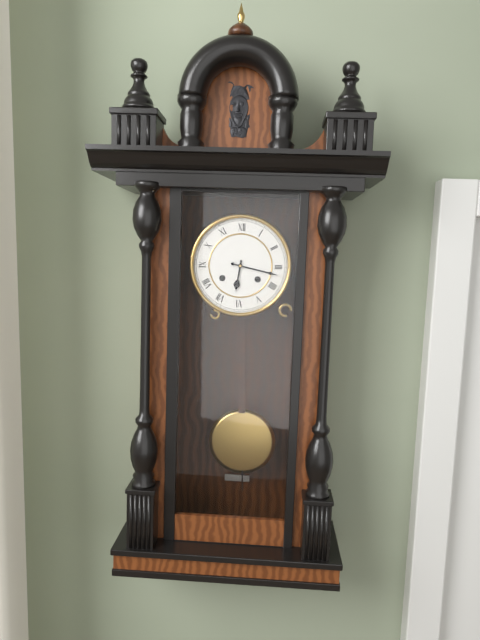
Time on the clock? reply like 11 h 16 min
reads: 6 h 17 min
